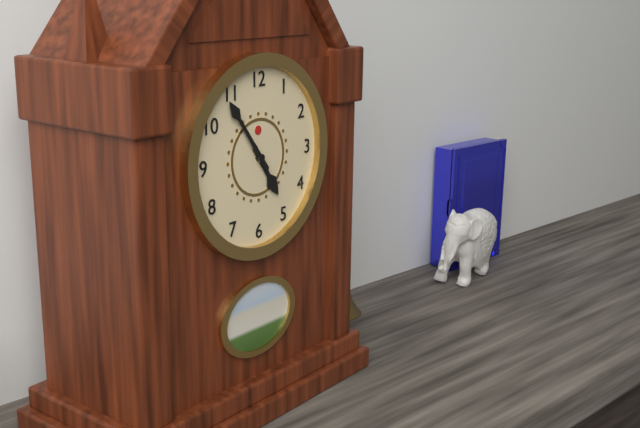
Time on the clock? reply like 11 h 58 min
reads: 4 h 54 min
